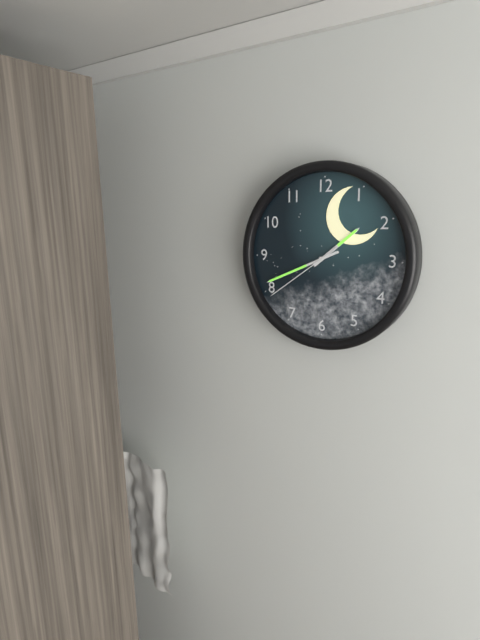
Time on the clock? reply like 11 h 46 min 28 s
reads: 1 h 41 min 39 s
